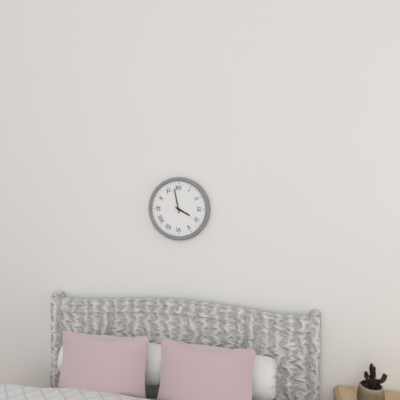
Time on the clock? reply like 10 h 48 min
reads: 3 h 58 min
